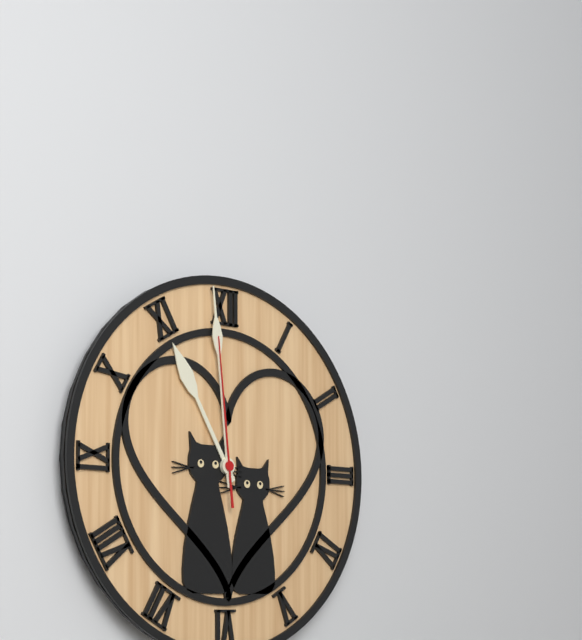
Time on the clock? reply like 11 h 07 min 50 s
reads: 10 h 59 min 59 s
